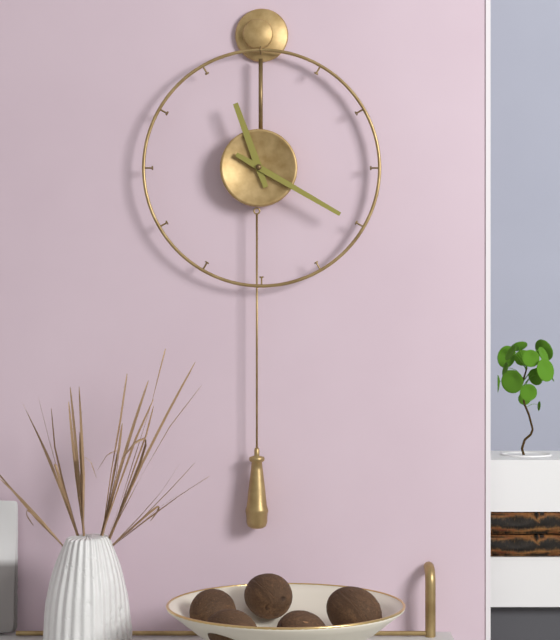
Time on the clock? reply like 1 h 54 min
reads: 11 h 20 min
